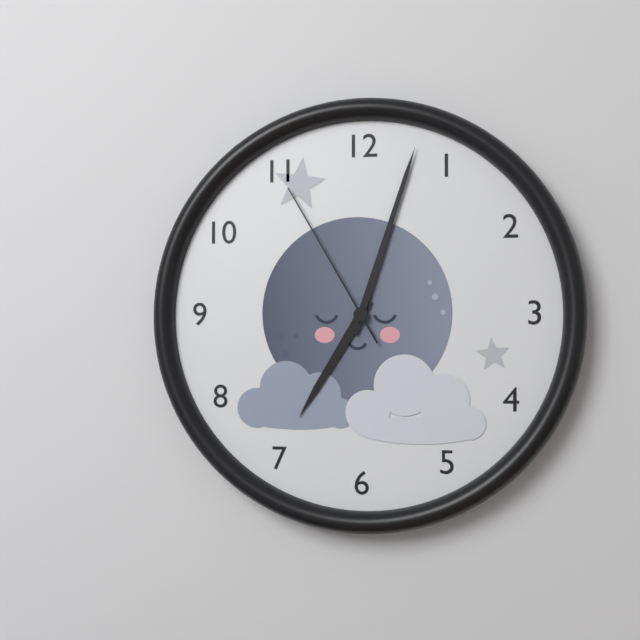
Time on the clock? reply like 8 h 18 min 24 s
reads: 7 h 03 min 55 s
